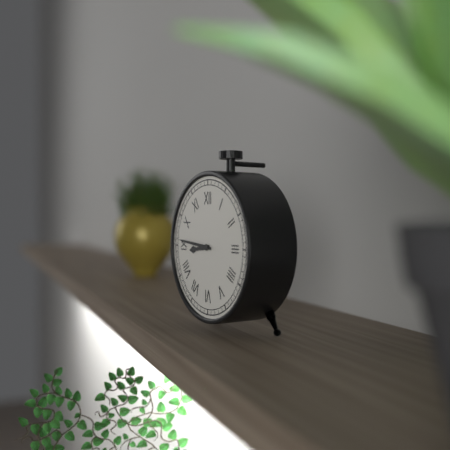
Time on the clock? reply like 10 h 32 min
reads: 8 h 46 min
